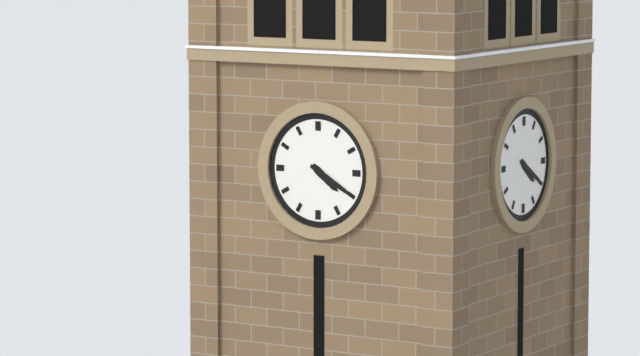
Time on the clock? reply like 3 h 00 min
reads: 4 h 20 min
